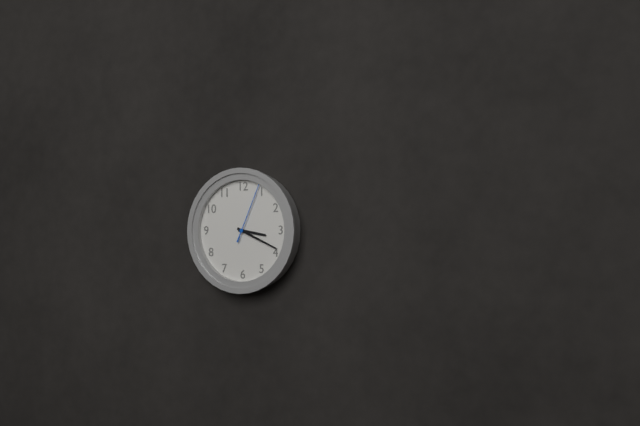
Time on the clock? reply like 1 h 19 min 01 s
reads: 3 h 19 min 04 s
